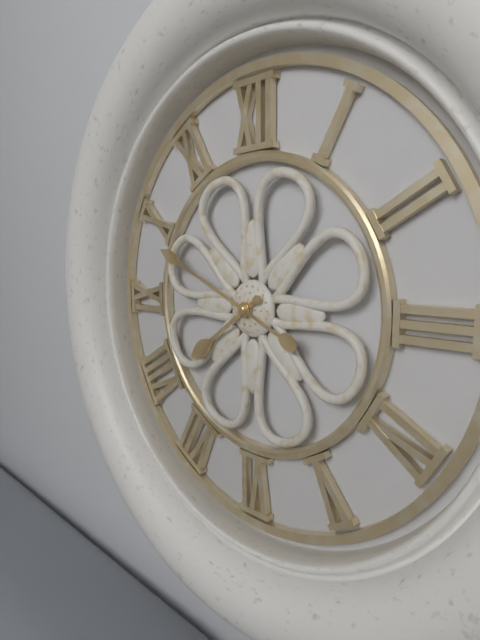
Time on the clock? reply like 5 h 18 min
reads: 7 h 49 min
